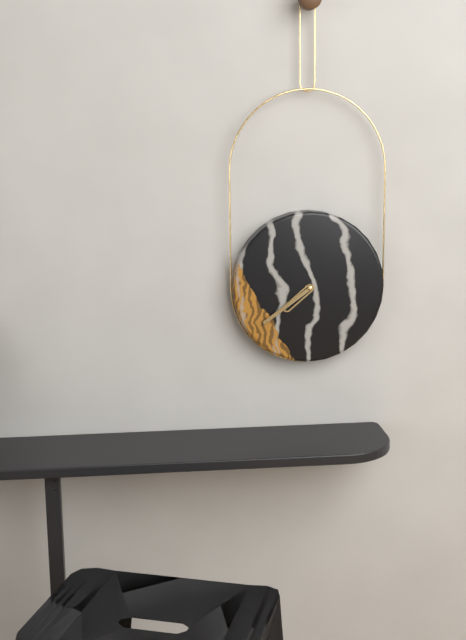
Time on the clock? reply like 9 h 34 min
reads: 7 h 39 min
